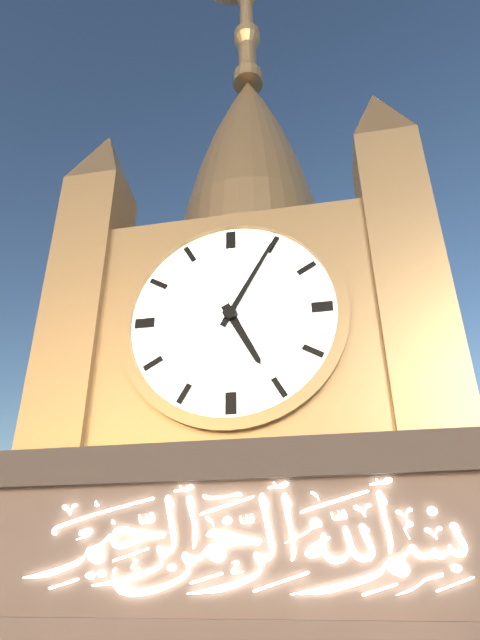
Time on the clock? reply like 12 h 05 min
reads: 5 h 05 min
